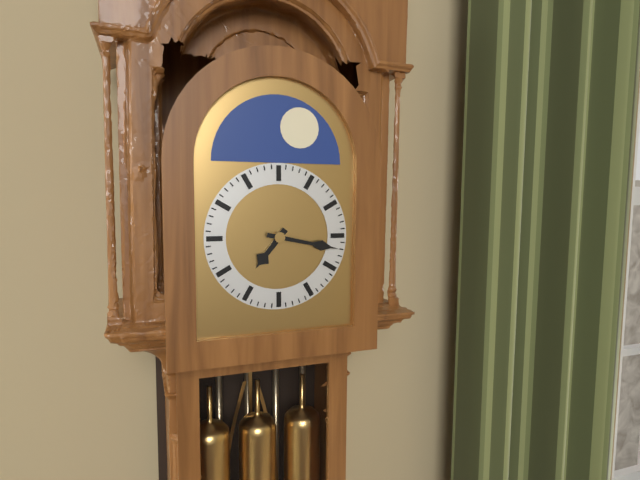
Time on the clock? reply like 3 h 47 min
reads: 7 h 17 min
